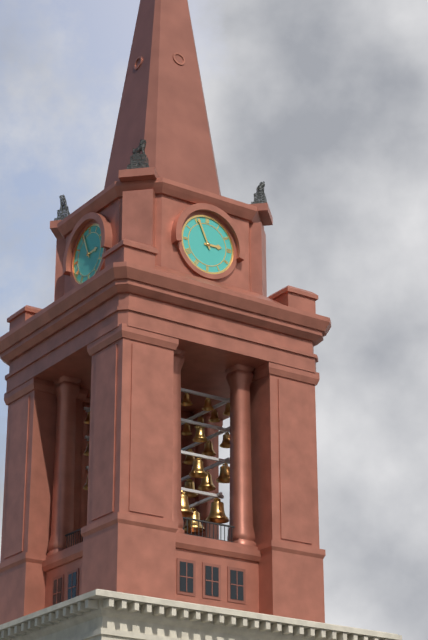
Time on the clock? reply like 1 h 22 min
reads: 2 h 56 min
